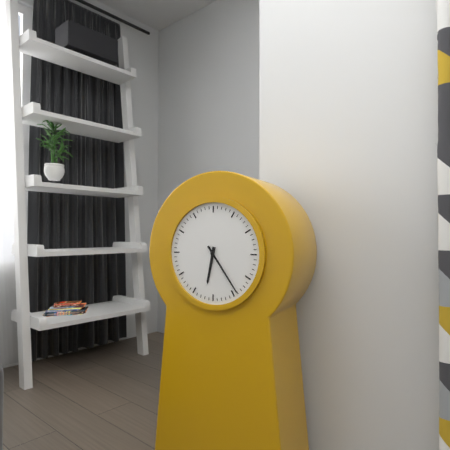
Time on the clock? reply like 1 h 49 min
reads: 6 h 24 min
